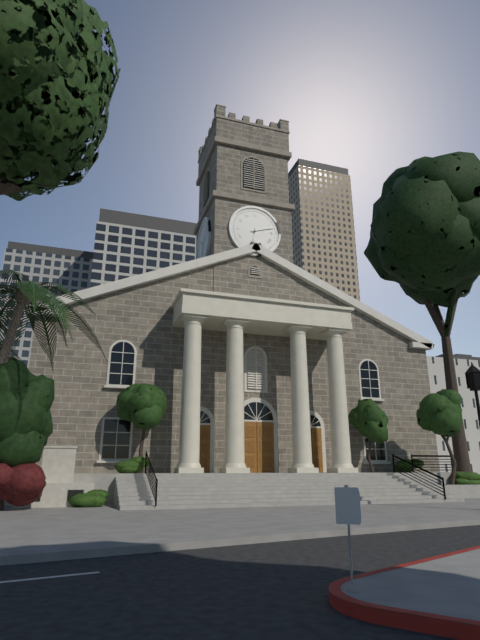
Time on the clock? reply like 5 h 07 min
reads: 6 h 12 min
